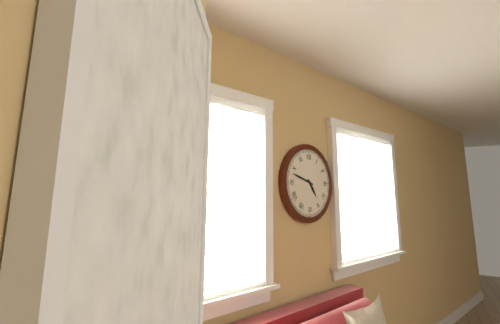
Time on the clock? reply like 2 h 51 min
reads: 4 h 48 min
